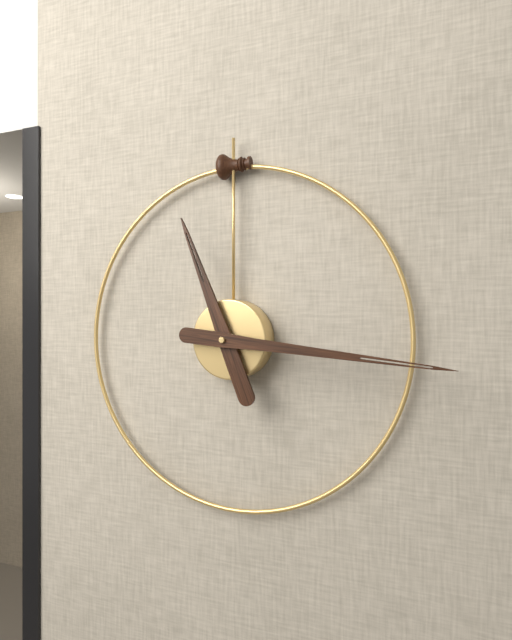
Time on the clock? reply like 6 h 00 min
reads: 11 h 16 min
